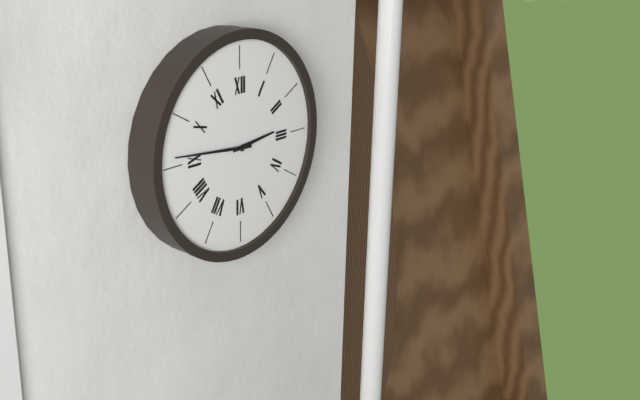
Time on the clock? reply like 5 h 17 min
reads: 2 h 46 min
